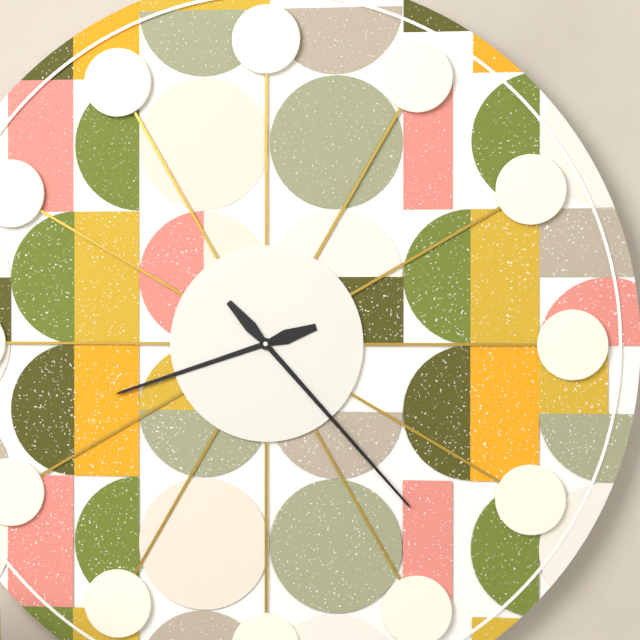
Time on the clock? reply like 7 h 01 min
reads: 8 h 23 min
